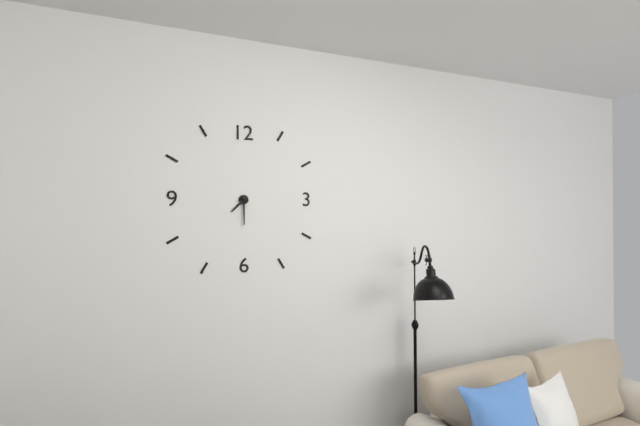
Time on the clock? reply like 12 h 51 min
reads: 7 h 30 min
